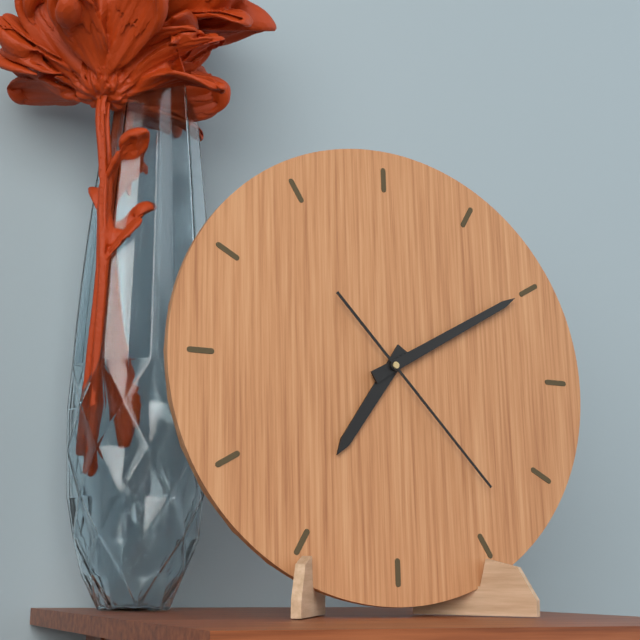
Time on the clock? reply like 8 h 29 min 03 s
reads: 7 h 10 min 23 s
